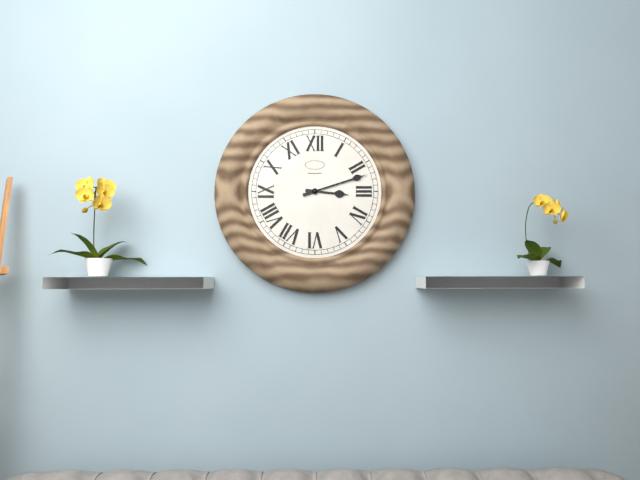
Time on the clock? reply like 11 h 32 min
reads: 3 h 12 min
